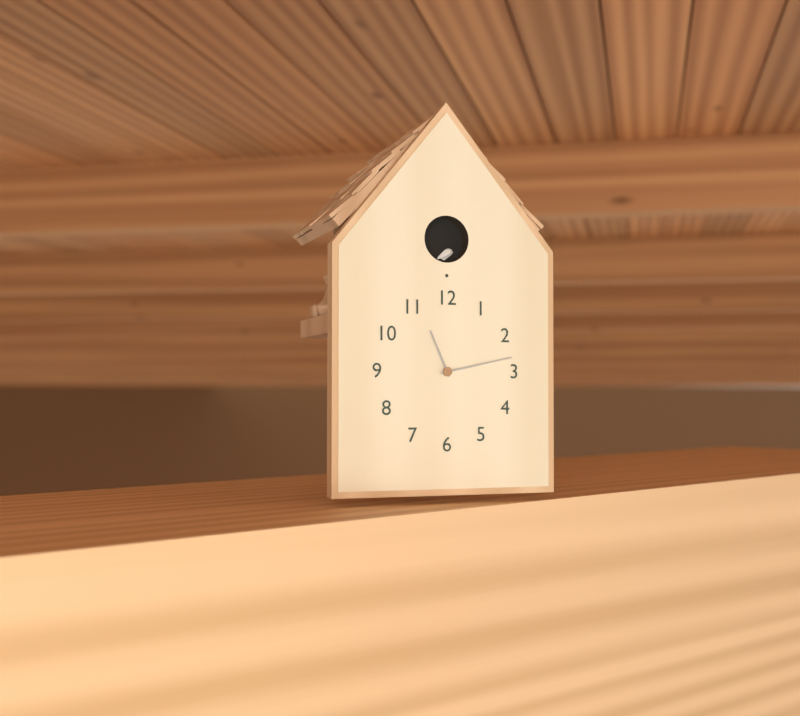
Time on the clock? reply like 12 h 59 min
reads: 11 h 13 min
